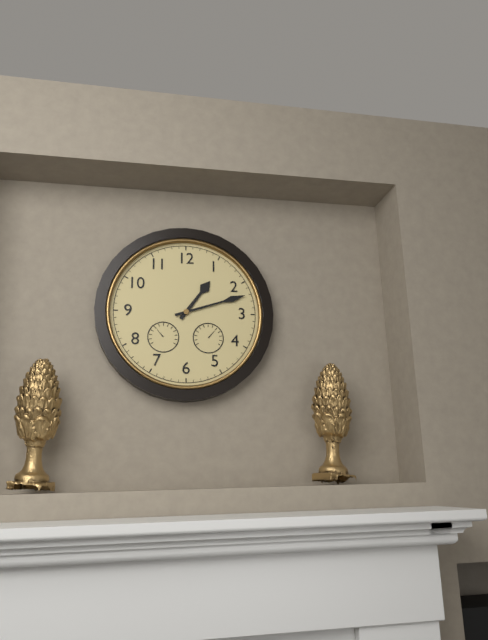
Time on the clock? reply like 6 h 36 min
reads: 1 h 12 min
